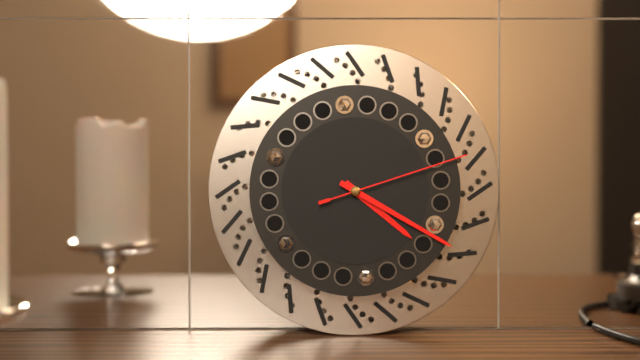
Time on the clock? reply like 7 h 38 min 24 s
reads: 4 h 20 min 12 s
